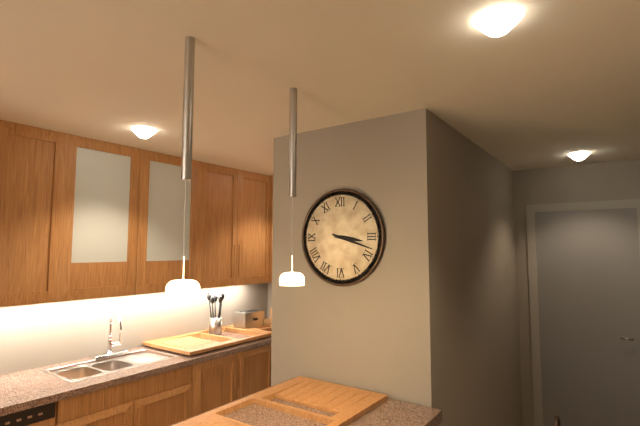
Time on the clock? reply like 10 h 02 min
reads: 3 h 18 min
